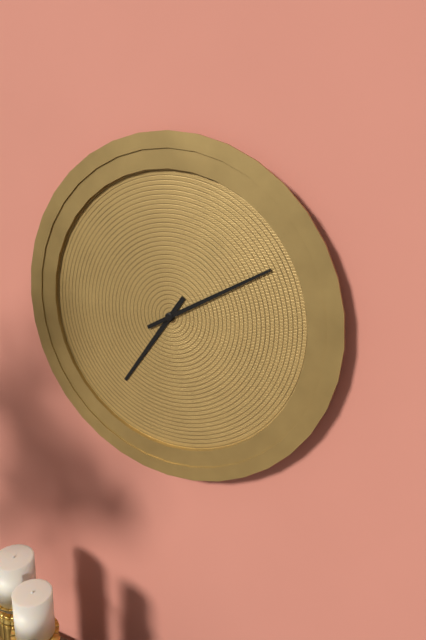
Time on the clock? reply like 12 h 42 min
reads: 7 h 10 min
